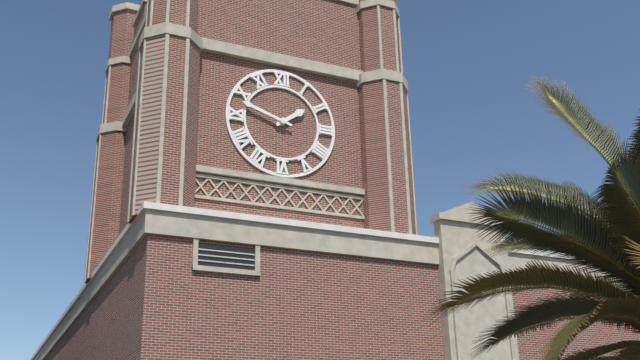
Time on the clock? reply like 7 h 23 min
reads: 1 h 48 min
